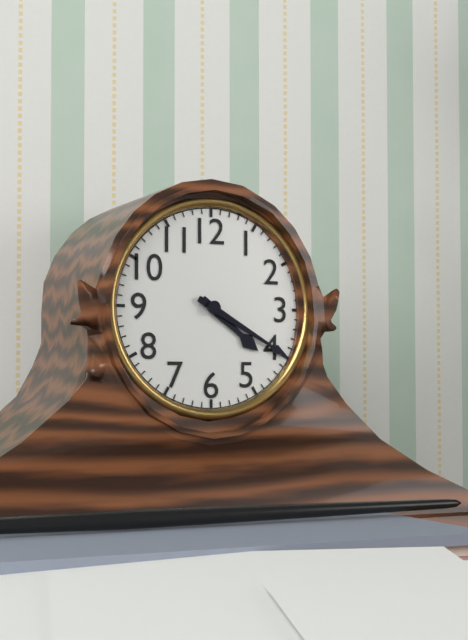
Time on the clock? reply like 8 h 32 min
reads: 4 h 20 min
